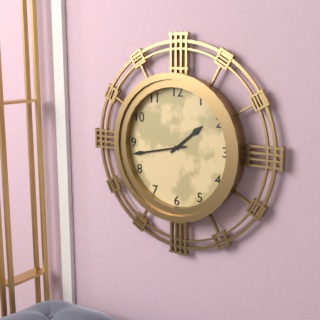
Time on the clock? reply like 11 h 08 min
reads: 1 h 43 min
